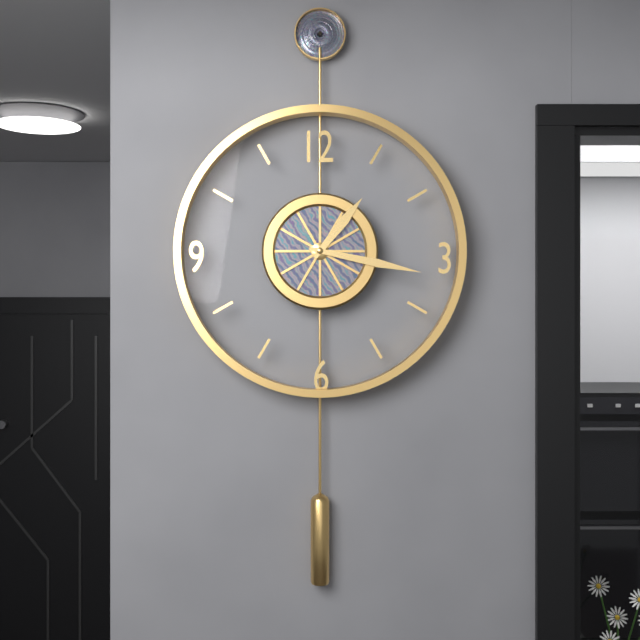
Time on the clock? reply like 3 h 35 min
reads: 1 h 17 min
